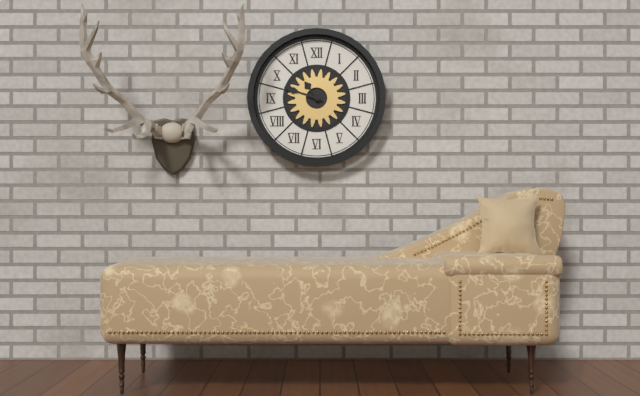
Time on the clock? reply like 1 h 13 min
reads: 10 h 48 min
